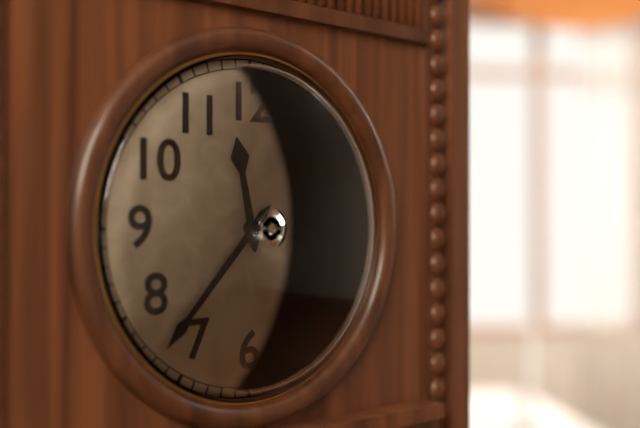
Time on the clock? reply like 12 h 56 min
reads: 11 h 37 min
